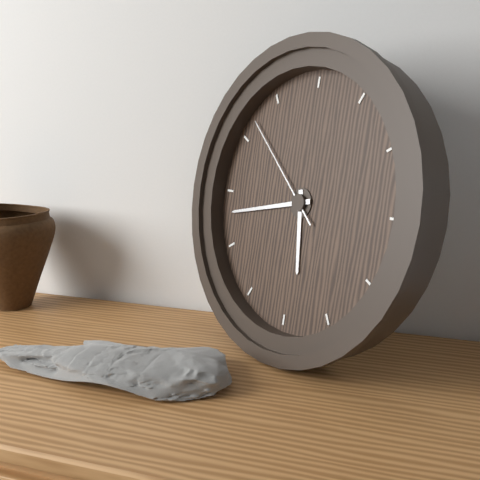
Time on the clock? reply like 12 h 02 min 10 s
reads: 5 h 43 min 52 s
